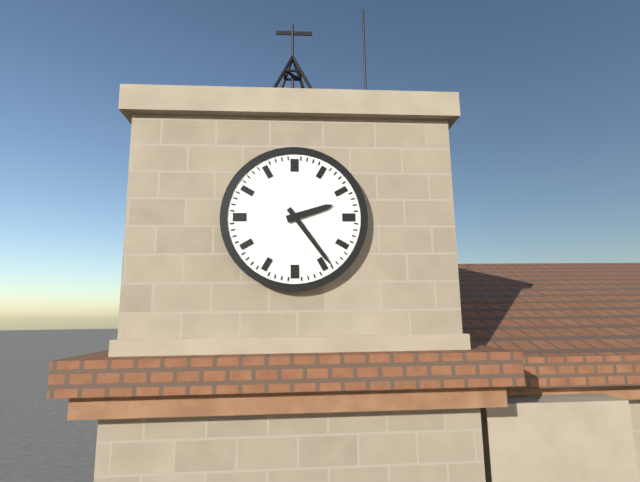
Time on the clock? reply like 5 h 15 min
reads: 2 h 24 min
